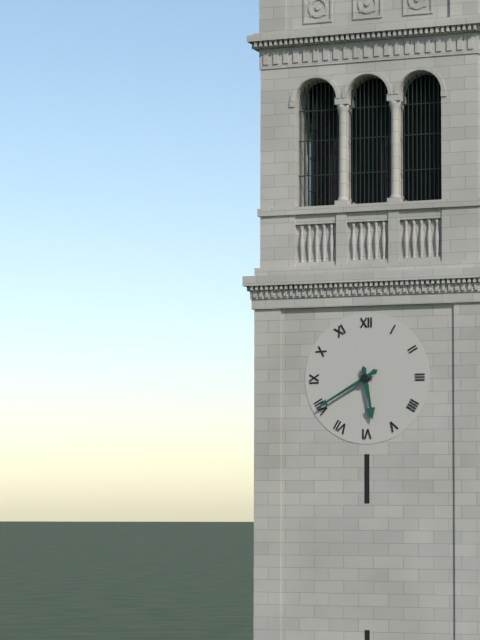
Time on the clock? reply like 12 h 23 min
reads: 5 h 40 min
